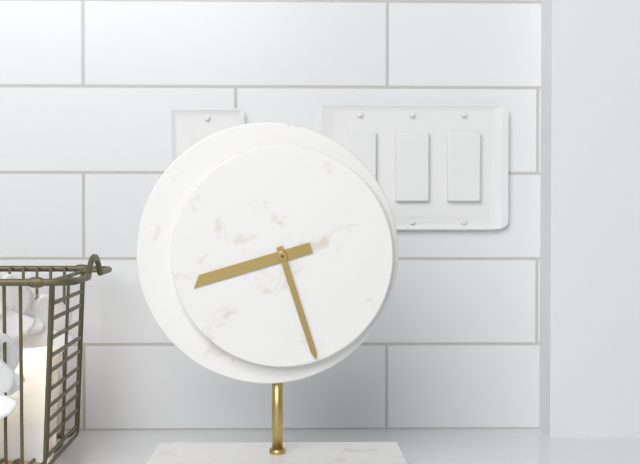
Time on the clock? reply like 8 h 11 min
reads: 8 h 27 min
